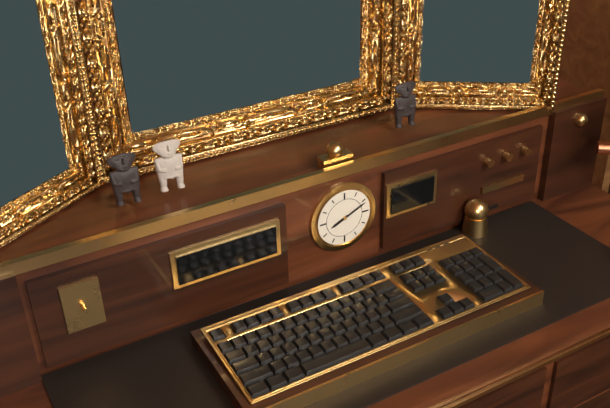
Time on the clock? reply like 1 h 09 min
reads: 8 h 11 min
